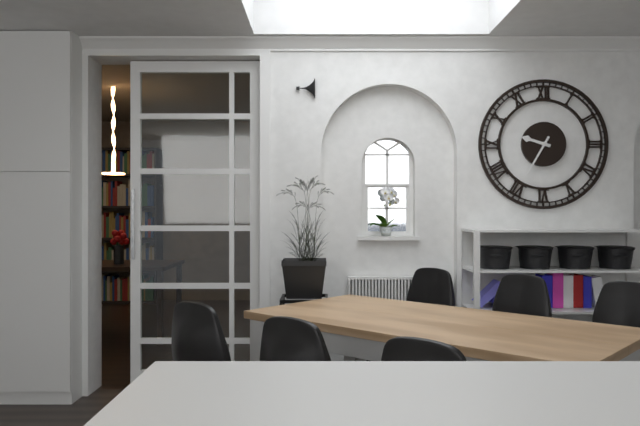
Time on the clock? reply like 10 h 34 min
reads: 9 h 35 min
